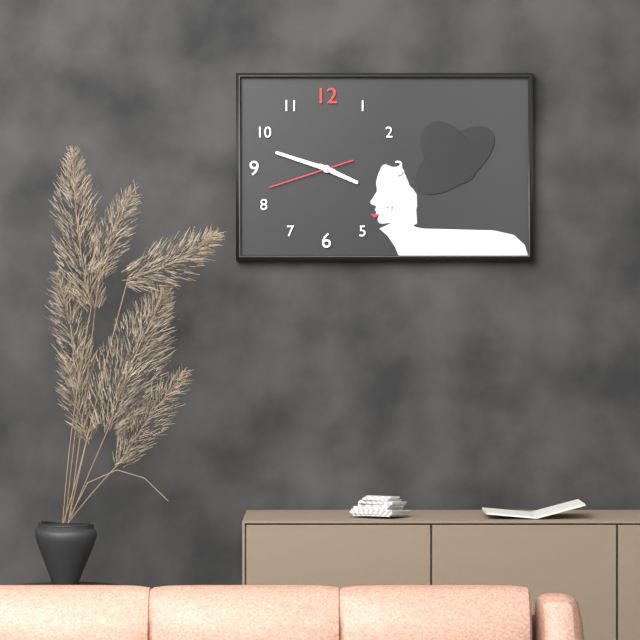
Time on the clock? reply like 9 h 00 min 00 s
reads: 3 h 48 min 42 s
